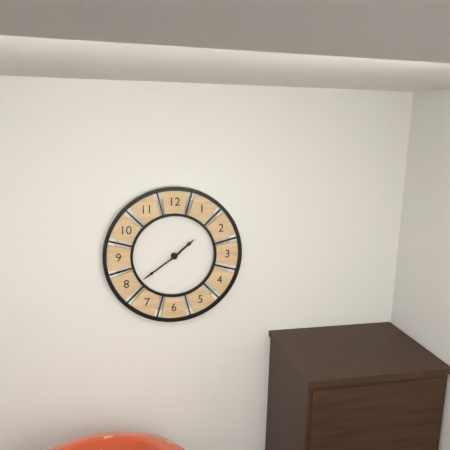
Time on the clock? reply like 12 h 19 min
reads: 1 h 39 min
